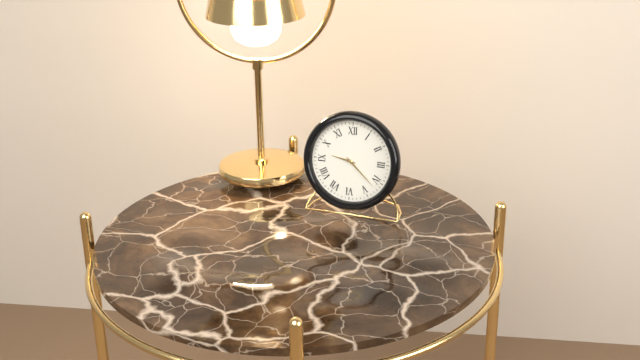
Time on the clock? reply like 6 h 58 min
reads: 9 h 22 min
